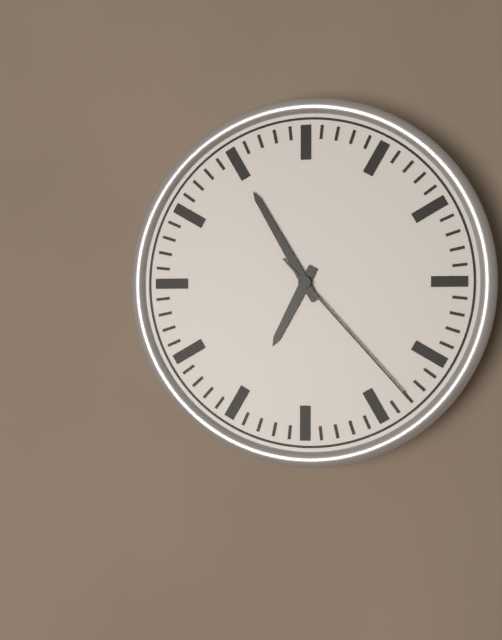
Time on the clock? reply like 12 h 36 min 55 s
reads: 6 h 55 min 23 s
